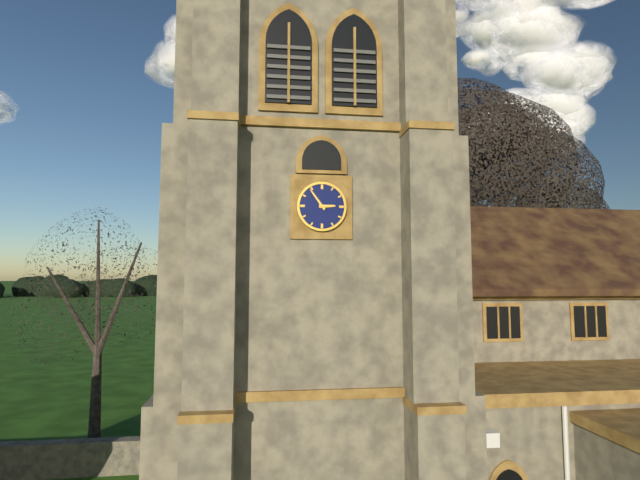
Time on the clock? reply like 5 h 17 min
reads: 2 h 54 min
